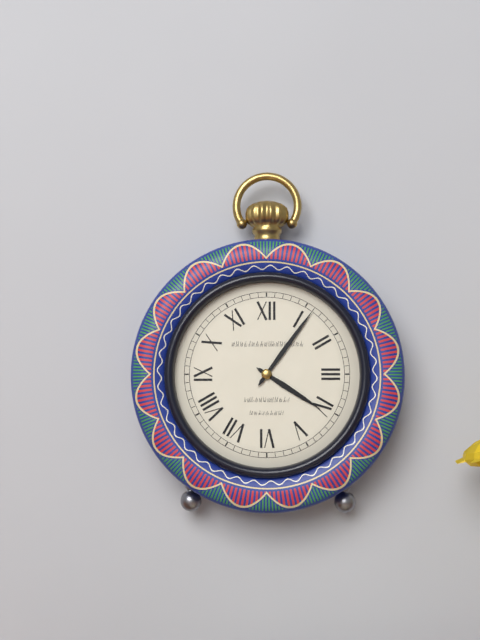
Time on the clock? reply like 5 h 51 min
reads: 4 h 06 min
